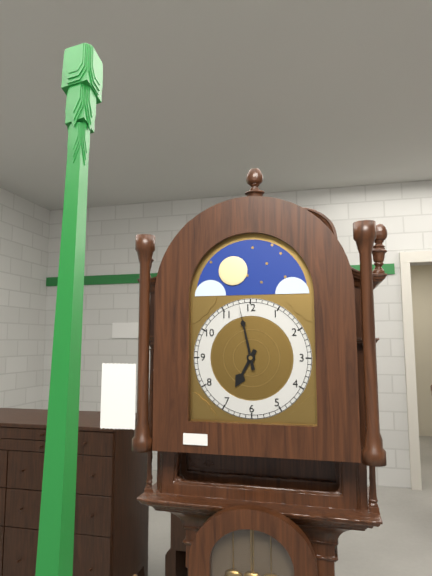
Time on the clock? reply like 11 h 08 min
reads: 6 h 58 min
